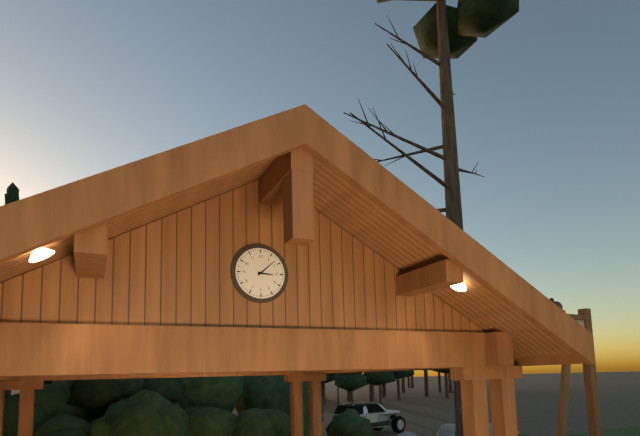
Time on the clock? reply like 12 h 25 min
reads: 3 h 08 min
